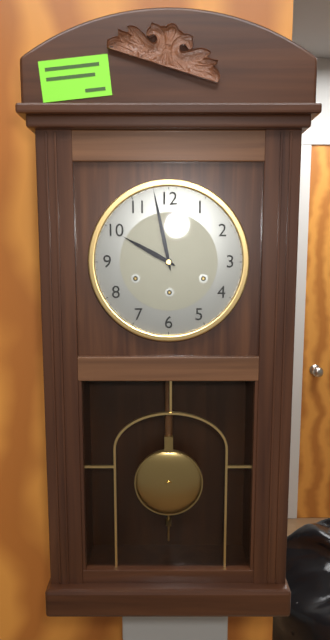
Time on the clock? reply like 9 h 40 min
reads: 9 h 58 min
